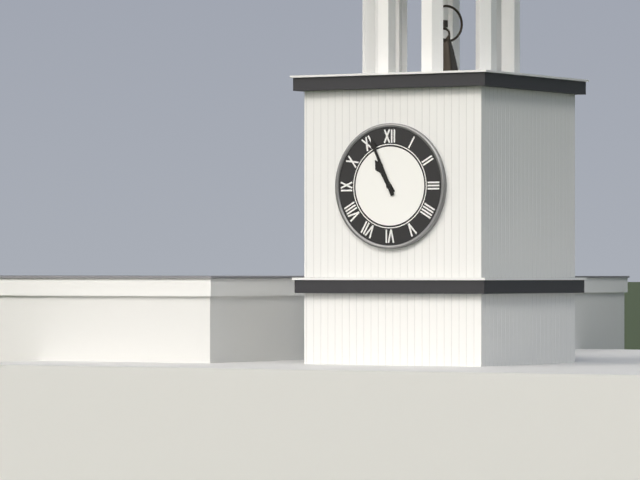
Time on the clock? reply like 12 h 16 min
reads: 10 h 56 min
